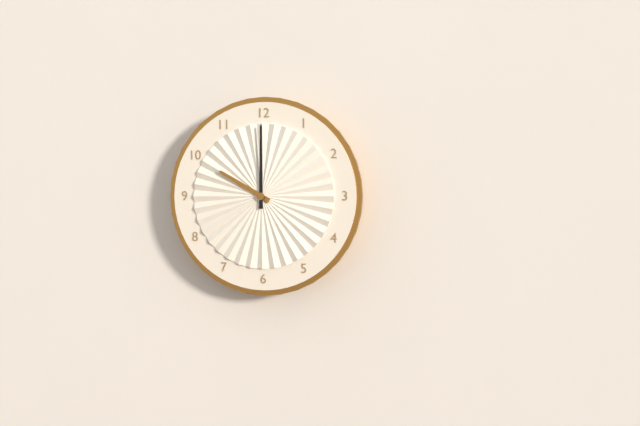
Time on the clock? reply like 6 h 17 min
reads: 10 h 00 min
